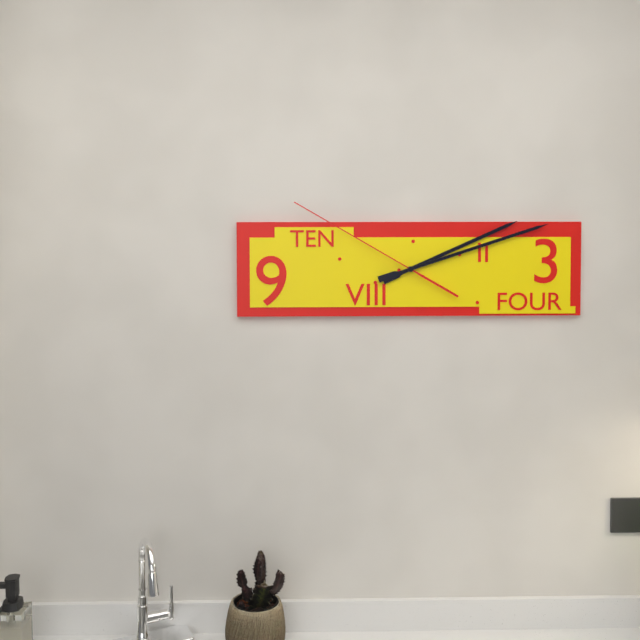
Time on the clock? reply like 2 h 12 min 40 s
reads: 2 h 12 min 50 s
